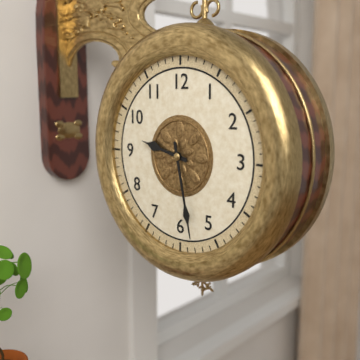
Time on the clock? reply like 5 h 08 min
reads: 9 h 28 min
